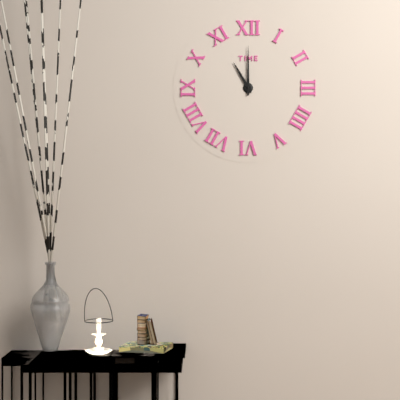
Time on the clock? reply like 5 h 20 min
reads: 11 h 00 min
